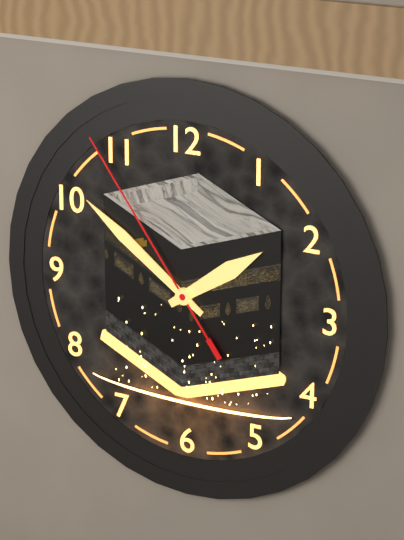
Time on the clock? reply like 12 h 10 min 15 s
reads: 1 h 51 min 54 s
